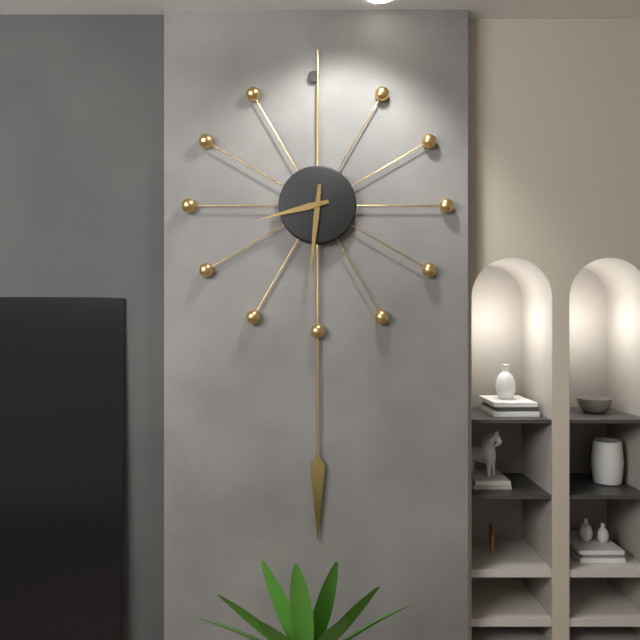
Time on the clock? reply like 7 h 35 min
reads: 8 h 31 min
